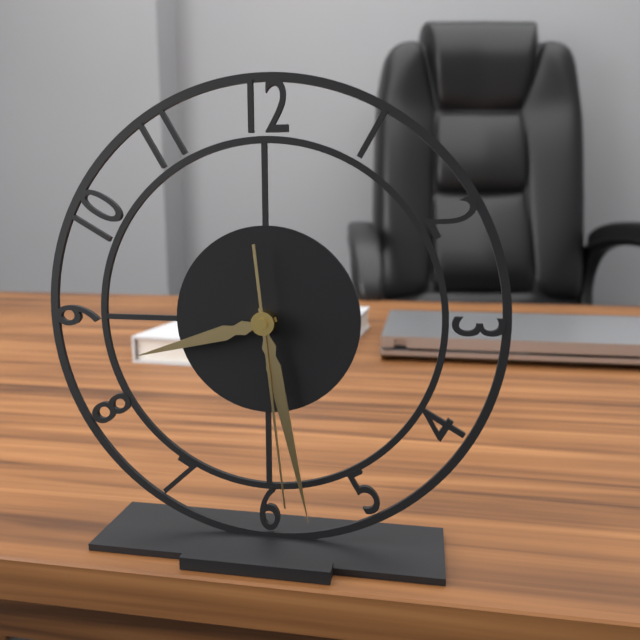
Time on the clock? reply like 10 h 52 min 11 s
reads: 8 h 28 min 29 s
